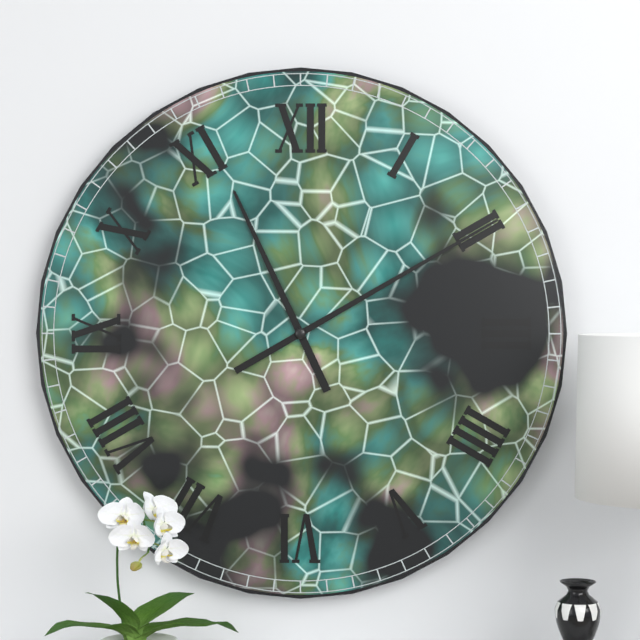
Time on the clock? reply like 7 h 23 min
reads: 11 h 10 min
